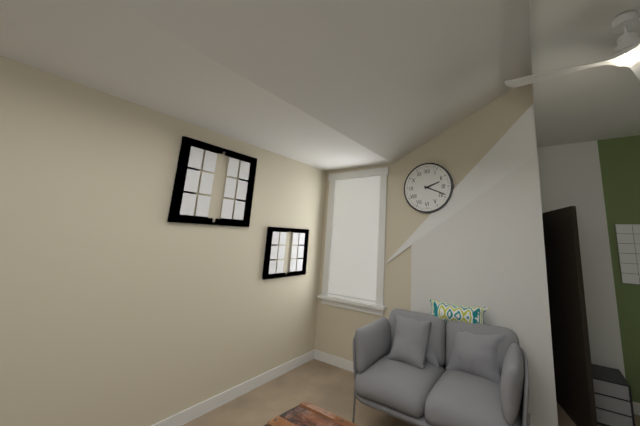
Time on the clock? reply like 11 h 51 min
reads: 2 h 19 min
